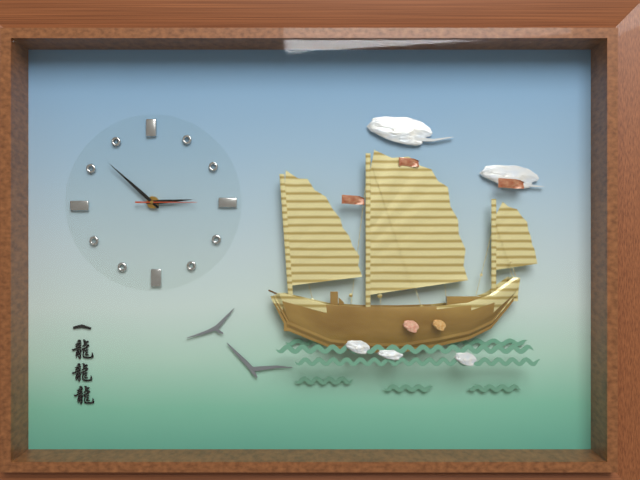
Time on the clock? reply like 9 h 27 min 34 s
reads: 2 h 52 min 15 s
